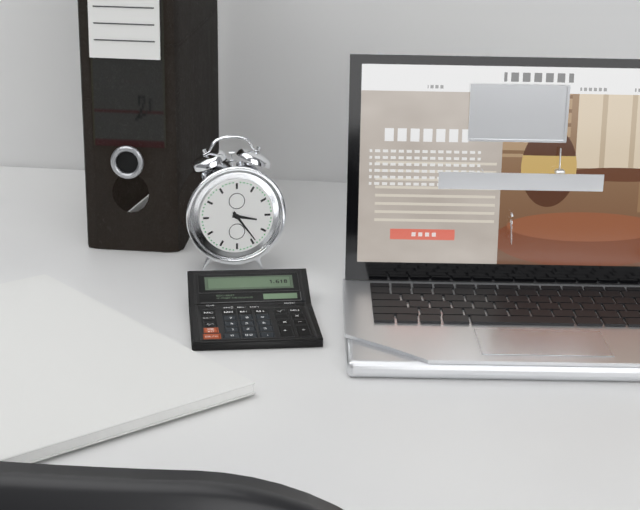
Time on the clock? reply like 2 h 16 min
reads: 3 h 24 min
